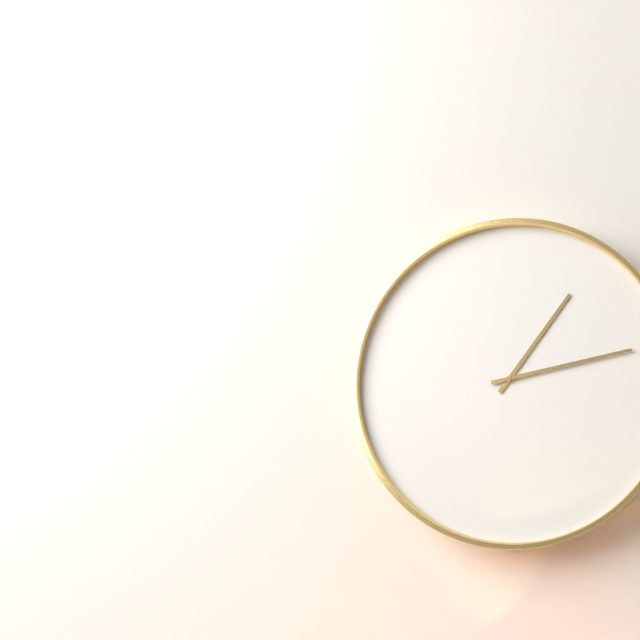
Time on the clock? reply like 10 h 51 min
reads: 1 h 13 min
